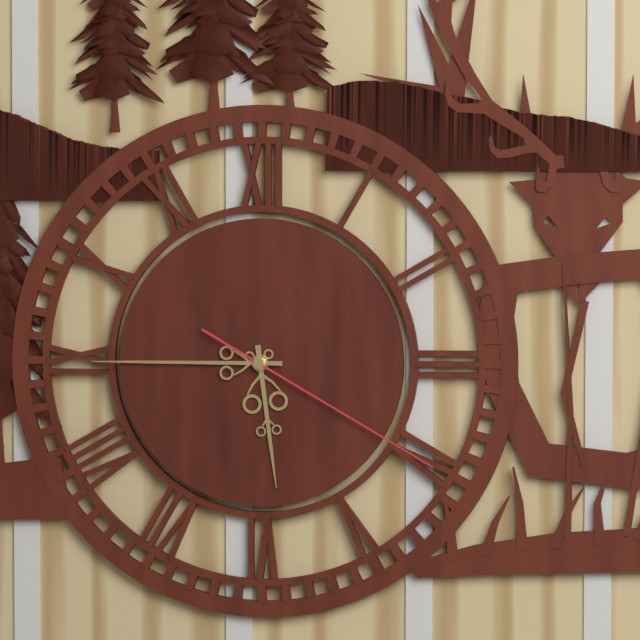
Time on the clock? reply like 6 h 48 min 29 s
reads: 5 h 45 min 20 s
